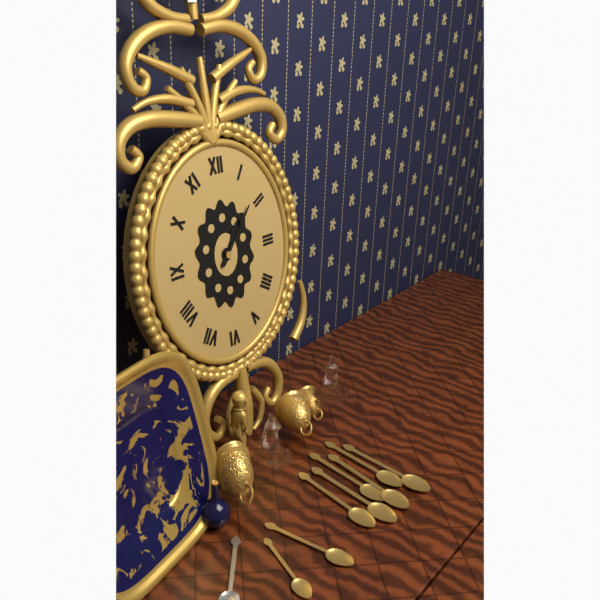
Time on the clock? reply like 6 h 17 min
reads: 1 h 07 min
